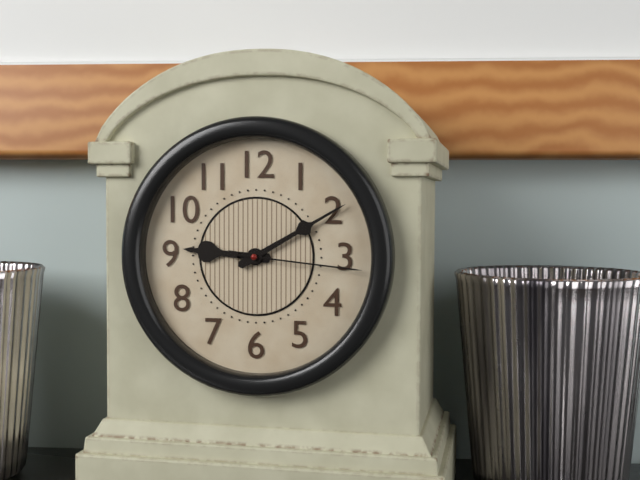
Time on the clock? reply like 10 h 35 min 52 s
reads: 9 h 10 min 16 s
